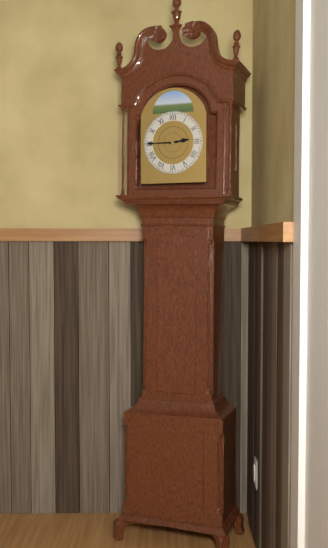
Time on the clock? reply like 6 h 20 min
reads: 2 h 45 min
